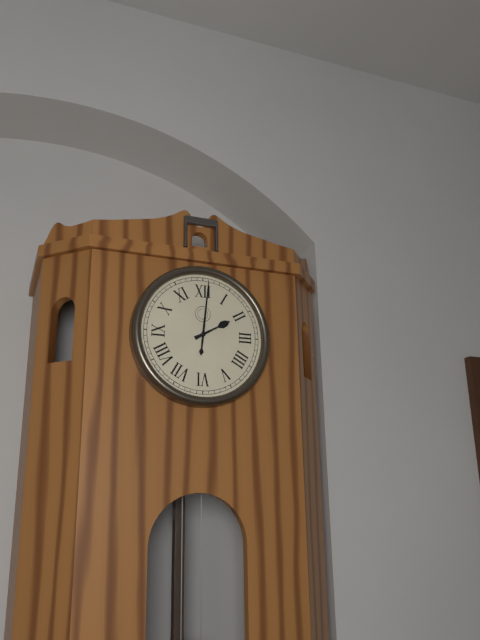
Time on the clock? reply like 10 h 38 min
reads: 2 h 01 min
